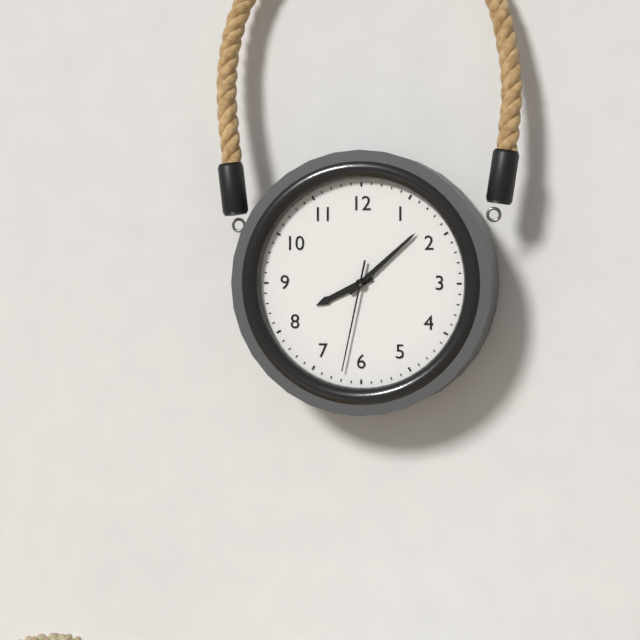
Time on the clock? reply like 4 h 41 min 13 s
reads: 8 h 08 min 32 s
